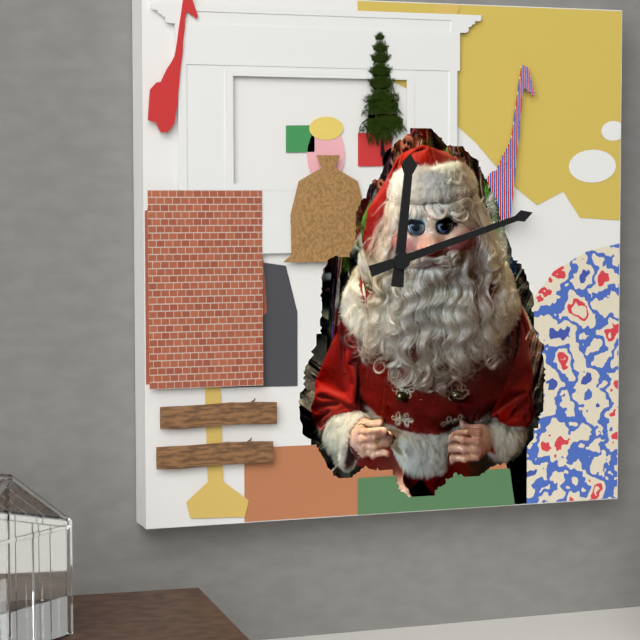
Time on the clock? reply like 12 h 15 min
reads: 12 h 12 min
